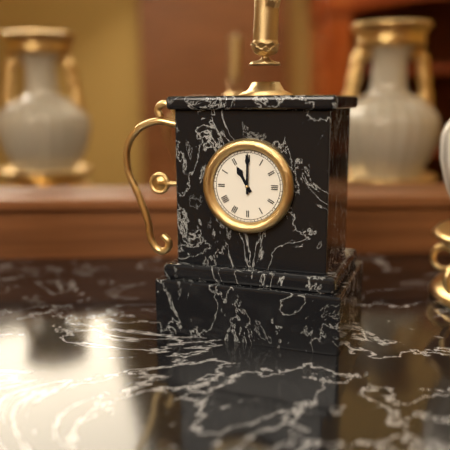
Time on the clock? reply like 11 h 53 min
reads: 11 h 00 min
